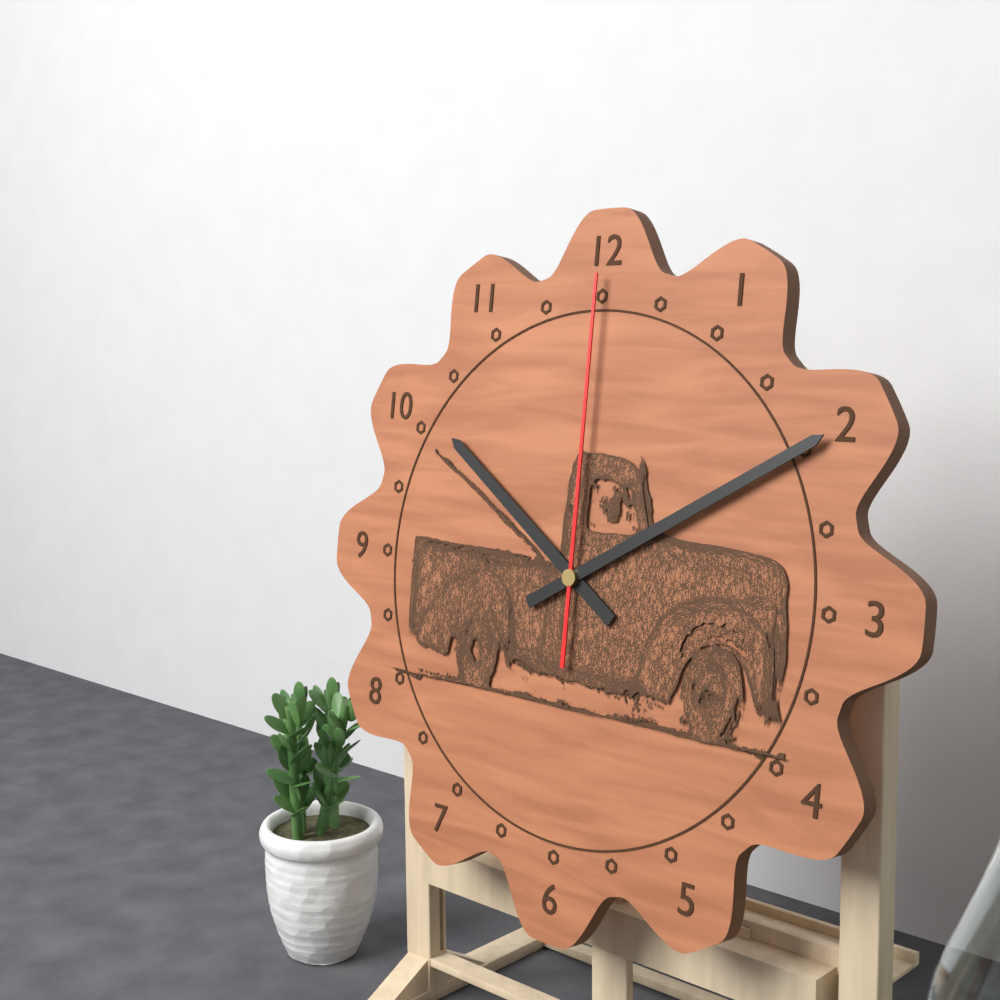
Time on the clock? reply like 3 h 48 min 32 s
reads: 10 h 10 min 00 s
